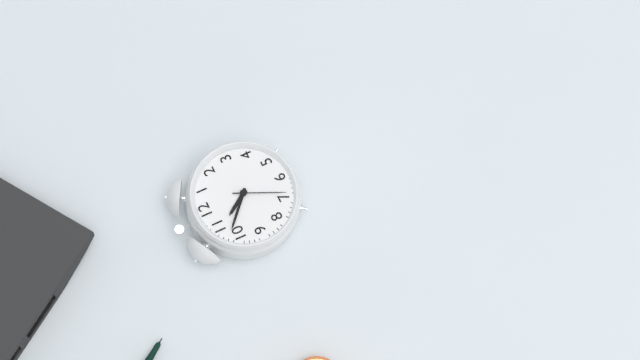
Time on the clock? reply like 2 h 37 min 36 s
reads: 10 h 52 min 34 s
